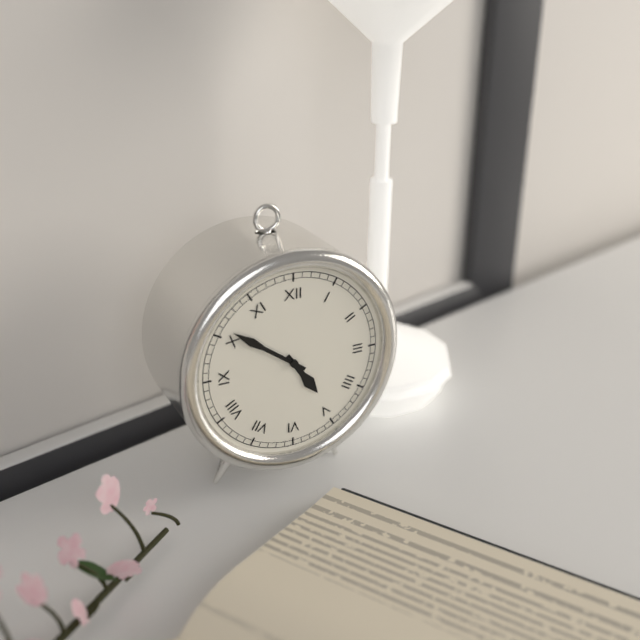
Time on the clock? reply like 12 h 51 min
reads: 4 h 51 min
